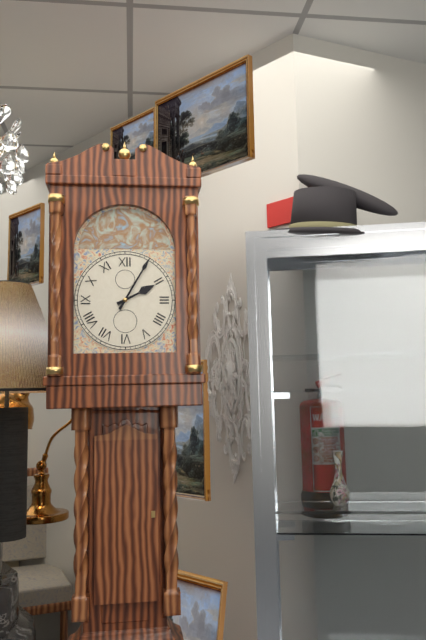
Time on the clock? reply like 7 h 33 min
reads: 2 h 05 min
